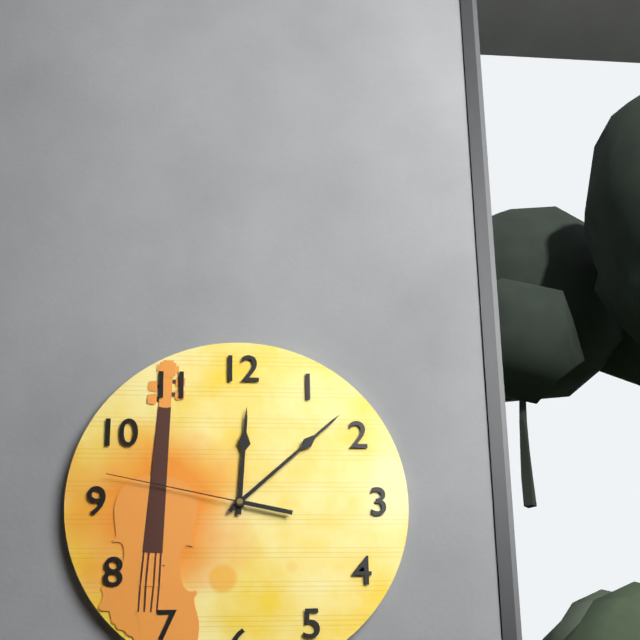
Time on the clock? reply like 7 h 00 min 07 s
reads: 12 h 08 min 47 s
